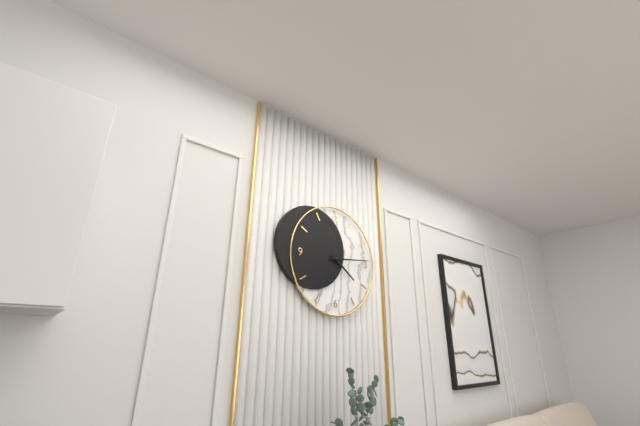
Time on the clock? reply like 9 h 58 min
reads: 4 h 14 min
